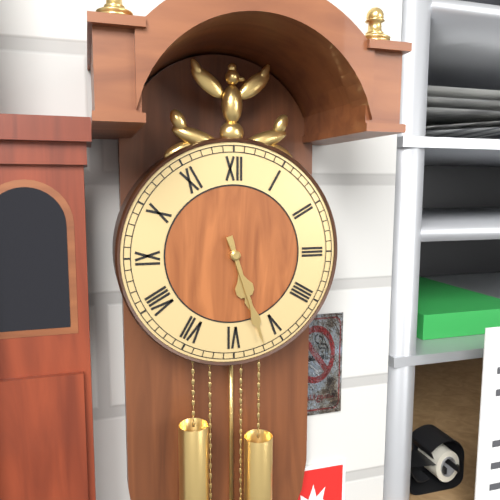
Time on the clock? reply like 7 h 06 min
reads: 5 h 27 min
